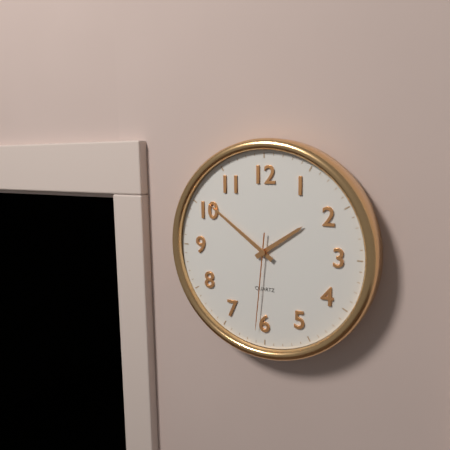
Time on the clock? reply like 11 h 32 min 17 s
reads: 1 h 51 min 31 s
